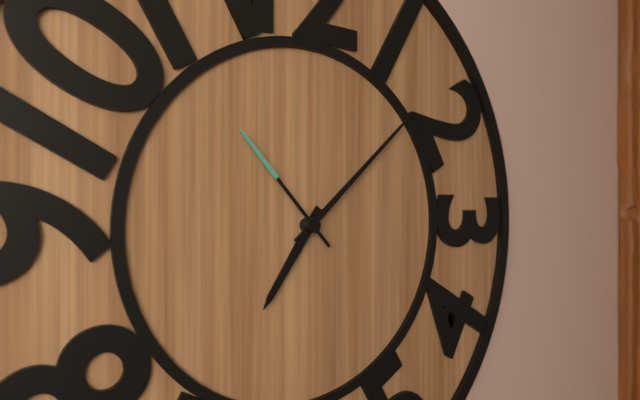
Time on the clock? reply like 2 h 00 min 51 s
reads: 7 h 08 min 53 s
